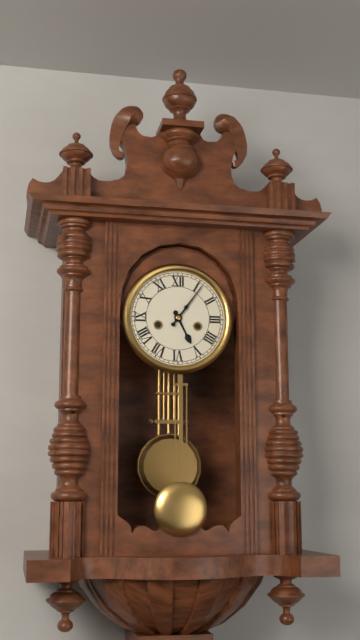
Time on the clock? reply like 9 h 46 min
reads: 5 h 06 min
